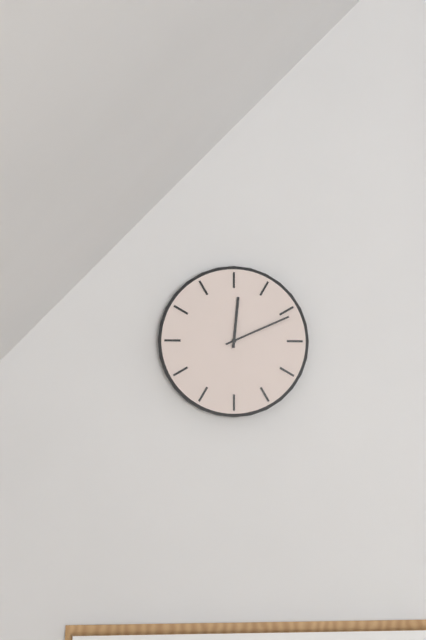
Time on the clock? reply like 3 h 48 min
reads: 12 h 11 min
